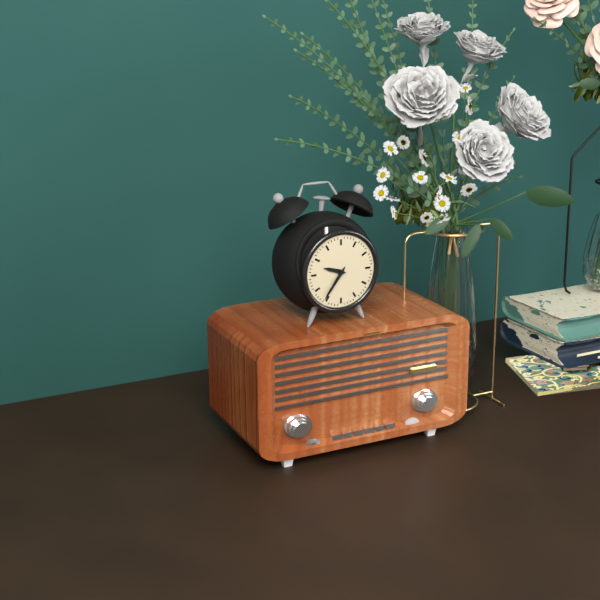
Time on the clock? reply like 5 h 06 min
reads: 9 h 36 min
